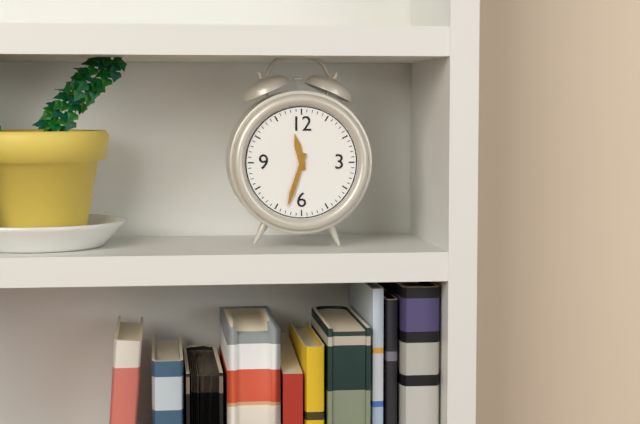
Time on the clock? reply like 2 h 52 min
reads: 11 h 33 min
